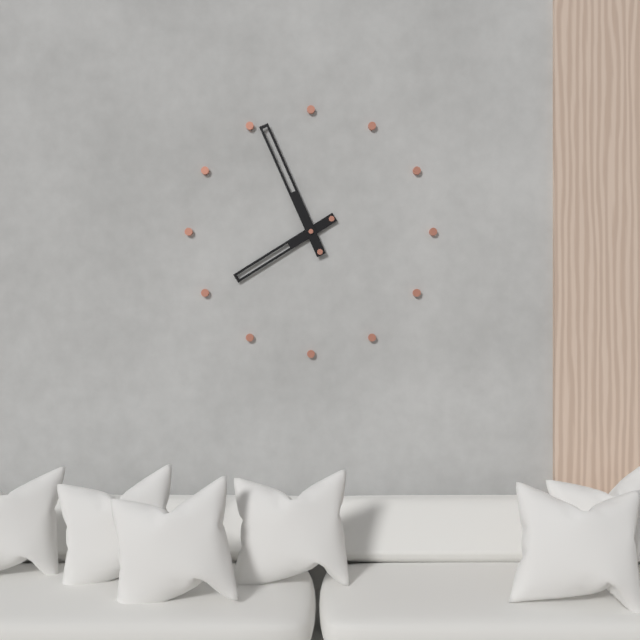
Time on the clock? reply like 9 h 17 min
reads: 7 h 56 min
